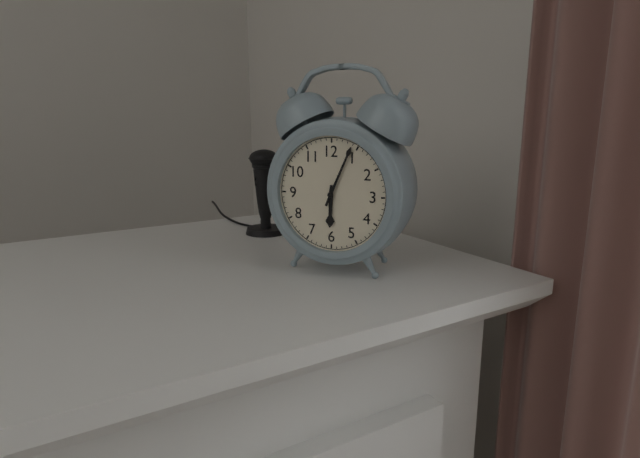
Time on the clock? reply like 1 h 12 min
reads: 6 h 04 min
